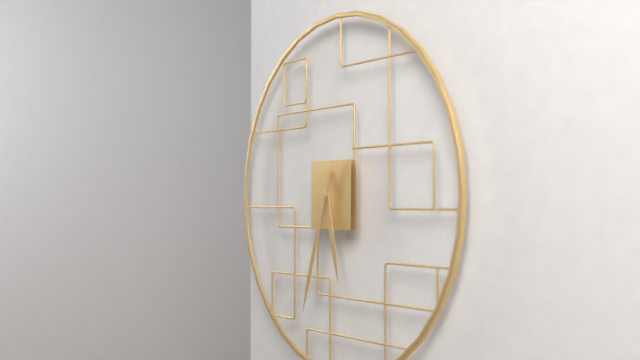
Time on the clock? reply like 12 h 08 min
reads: 5 h 33 min
